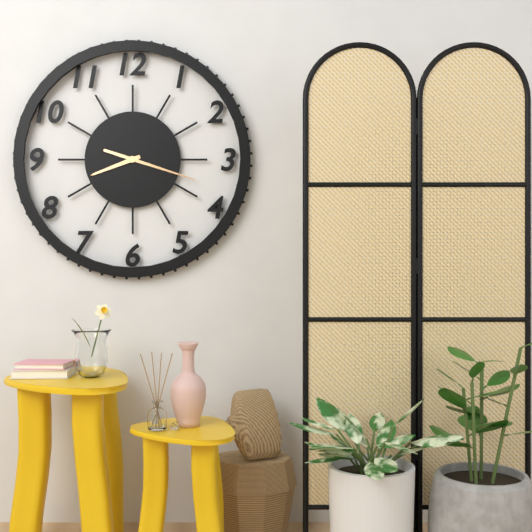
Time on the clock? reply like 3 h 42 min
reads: 8 h 18 min
